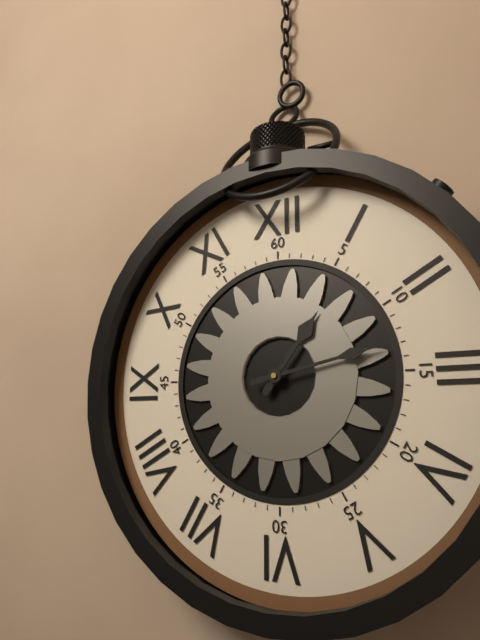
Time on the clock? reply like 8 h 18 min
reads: 1 h 13 min
